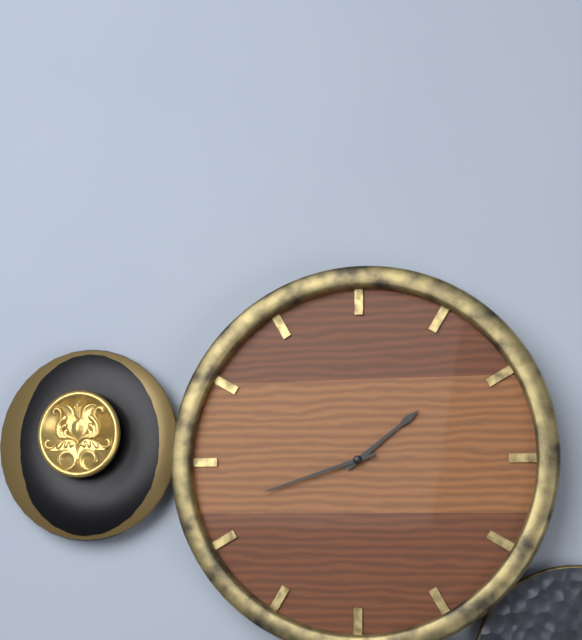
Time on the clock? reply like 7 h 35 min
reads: 1 h 42 min
